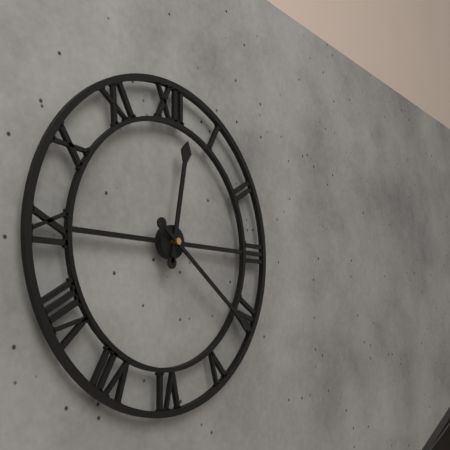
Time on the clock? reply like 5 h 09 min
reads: 12 h 21 min
